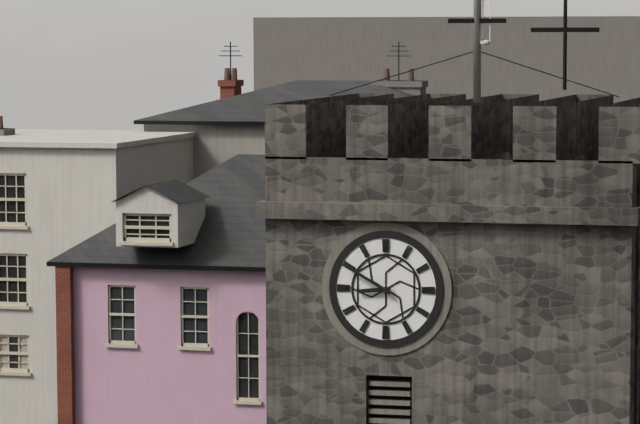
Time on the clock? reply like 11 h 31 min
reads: 8 h 50 min
